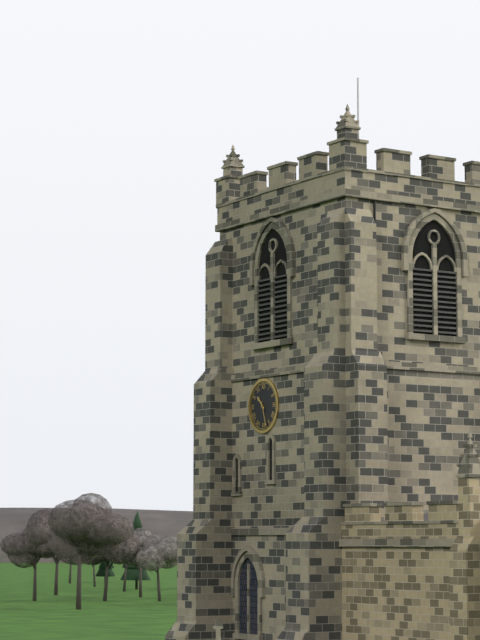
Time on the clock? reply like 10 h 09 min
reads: 10 h 27 min
